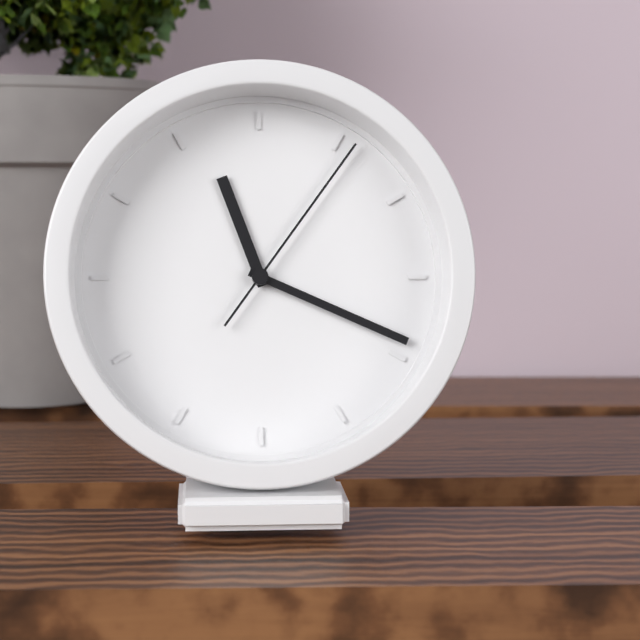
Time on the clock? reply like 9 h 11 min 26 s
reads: 11 h 19 min 06 s
